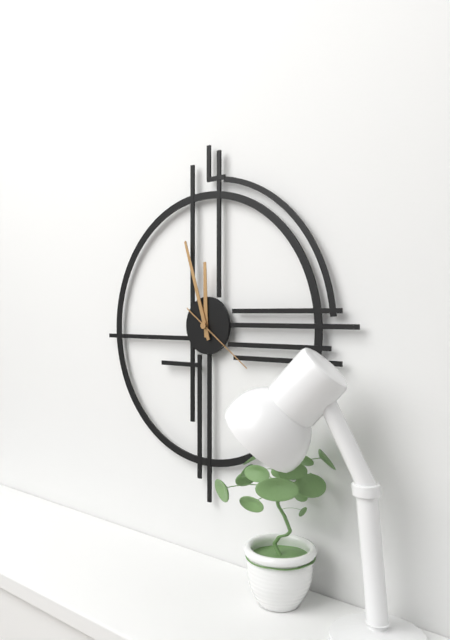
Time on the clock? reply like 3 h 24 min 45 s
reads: 11 h 57 min 21 s
